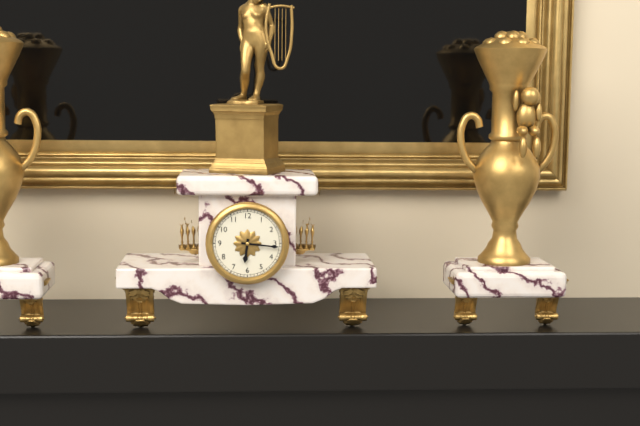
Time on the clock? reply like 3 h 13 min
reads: 6 h 16 min
